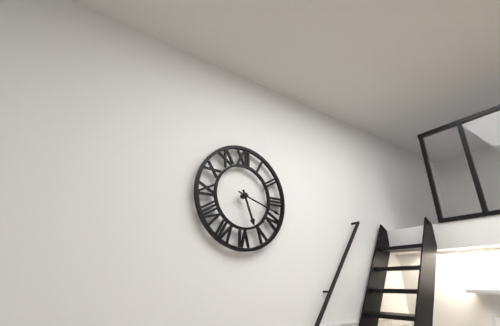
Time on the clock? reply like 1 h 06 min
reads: 5 h 18 min
